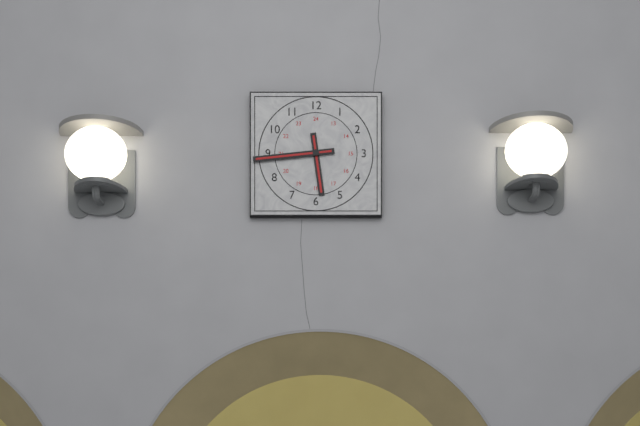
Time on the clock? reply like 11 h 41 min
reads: 5 h 44 min
